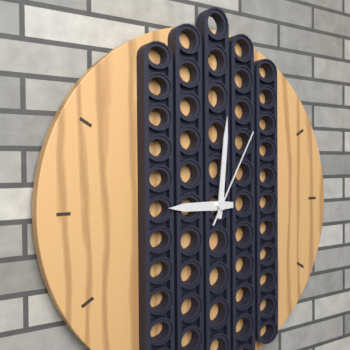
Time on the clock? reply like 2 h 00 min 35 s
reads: 9 h 01 min 05 s
